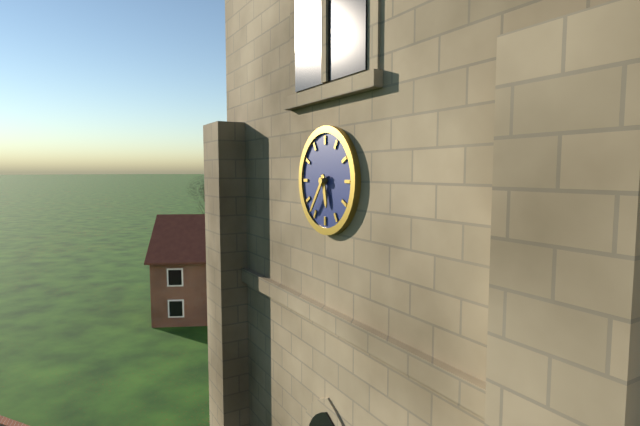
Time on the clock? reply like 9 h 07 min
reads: 5 h 36 min
